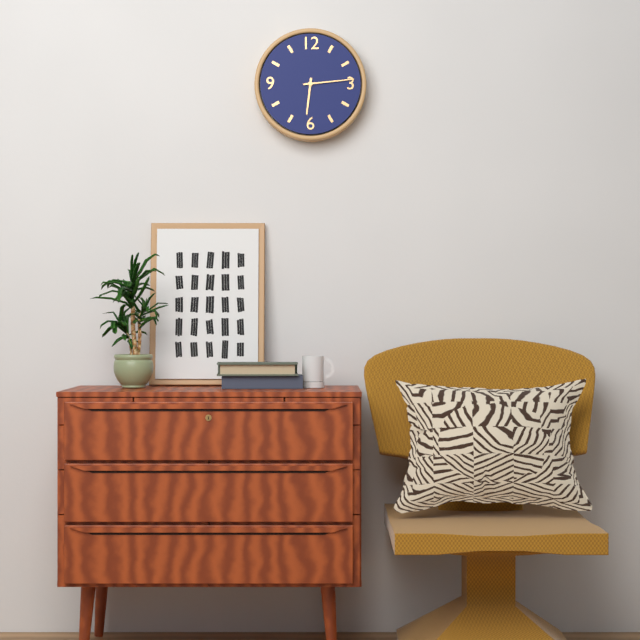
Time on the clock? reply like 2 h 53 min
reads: 6 h 14 min
